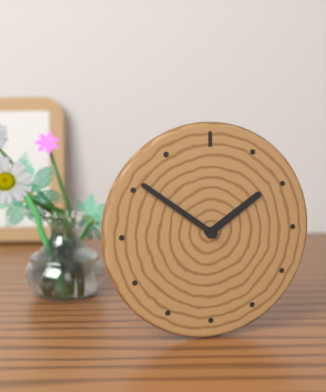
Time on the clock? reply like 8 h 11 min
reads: 1 h 51 min
